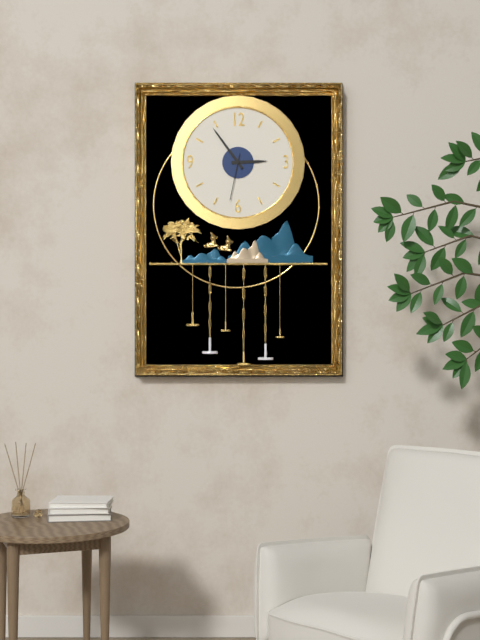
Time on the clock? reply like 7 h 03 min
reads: 2 h 54 min
